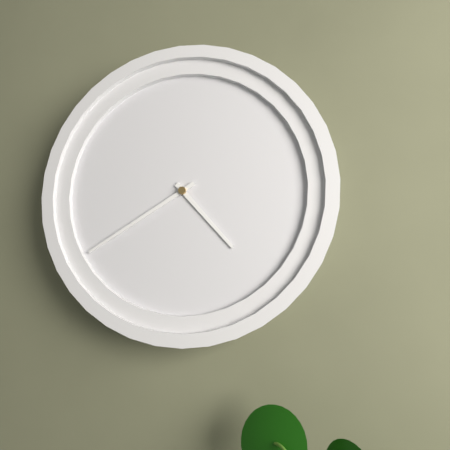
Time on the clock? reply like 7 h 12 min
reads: 4 h 40 min
